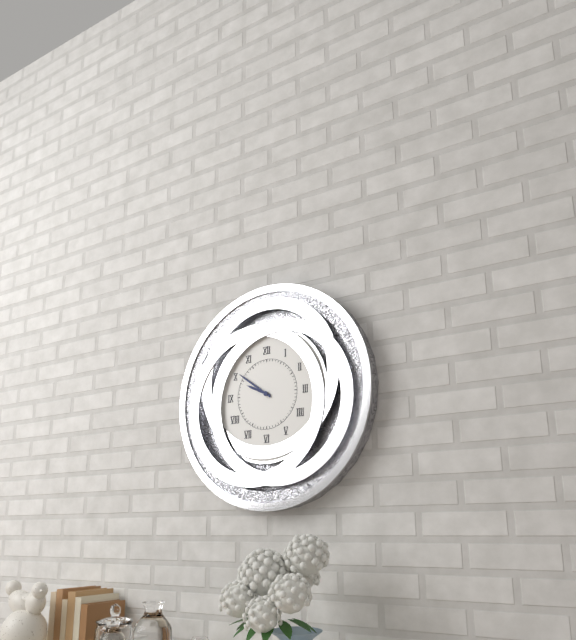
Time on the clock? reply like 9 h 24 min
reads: 9 h 51 min
